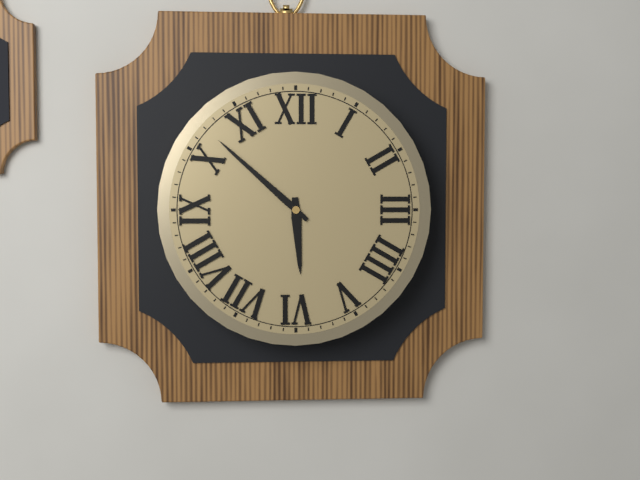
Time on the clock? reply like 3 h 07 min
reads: 5 h 52 min
